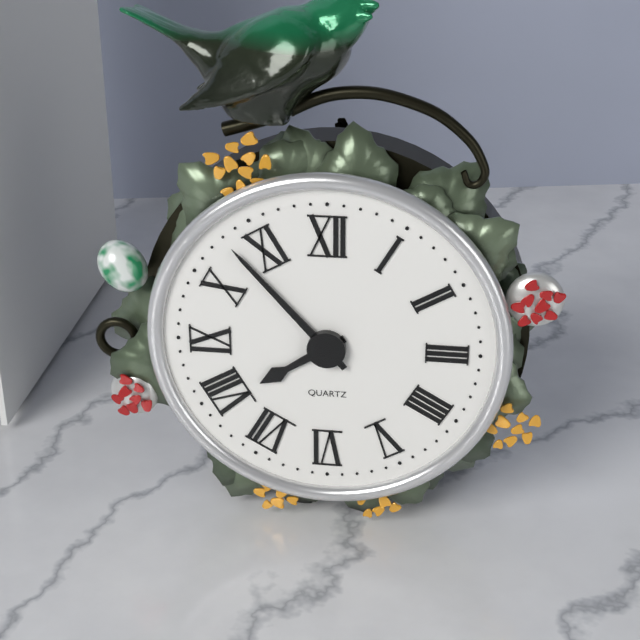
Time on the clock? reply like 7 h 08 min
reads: 7 h 53 min
